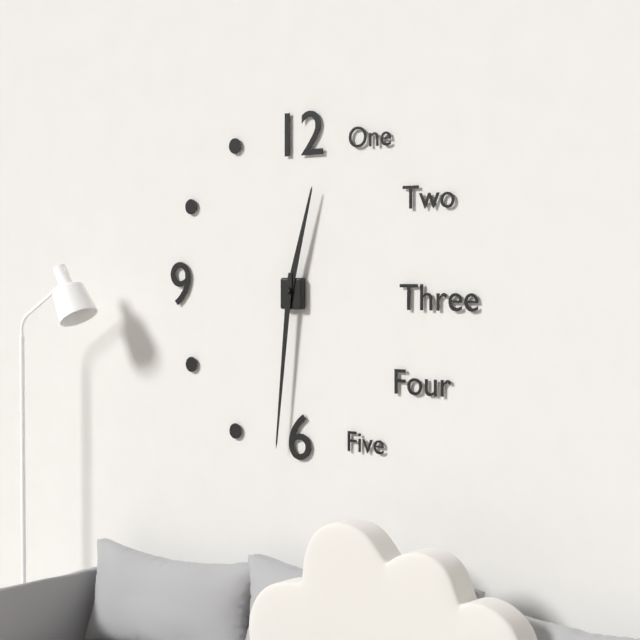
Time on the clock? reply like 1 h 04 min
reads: 12 h 31 min
